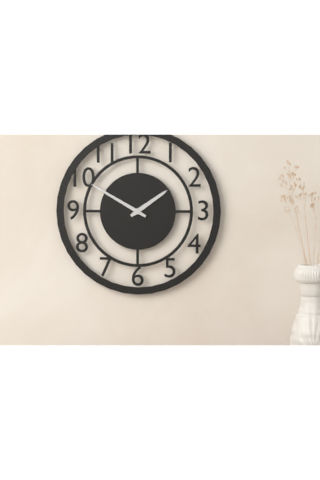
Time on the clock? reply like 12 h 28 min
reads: 1 h 50 min
